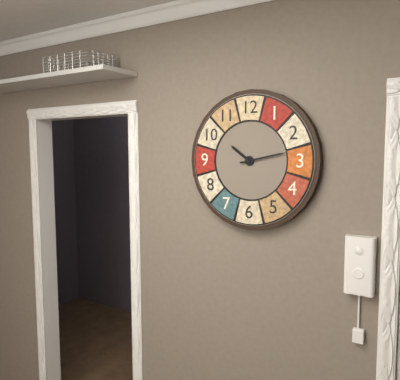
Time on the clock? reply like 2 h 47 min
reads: 10 h 13 min
